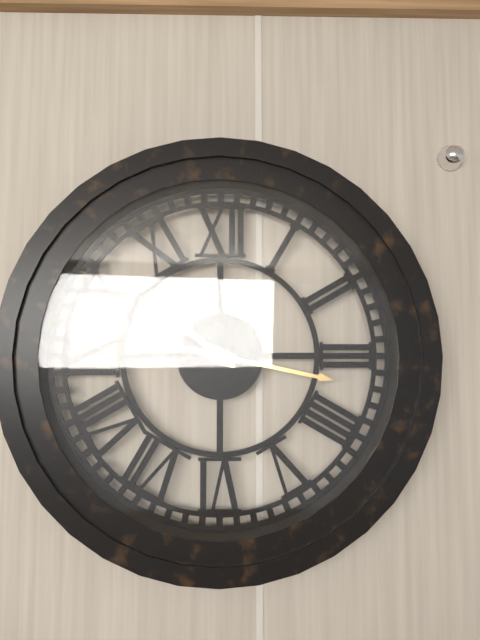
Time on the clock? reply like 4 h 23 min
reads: 10 h 17 min
